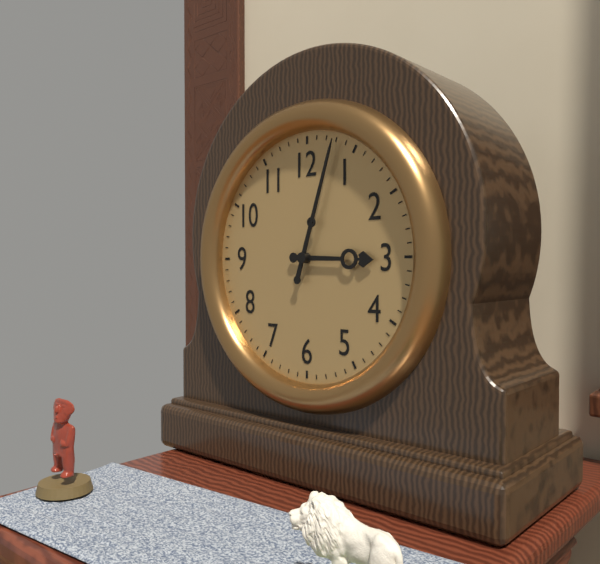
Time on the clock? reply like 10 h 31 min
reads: 3 h 03 min
